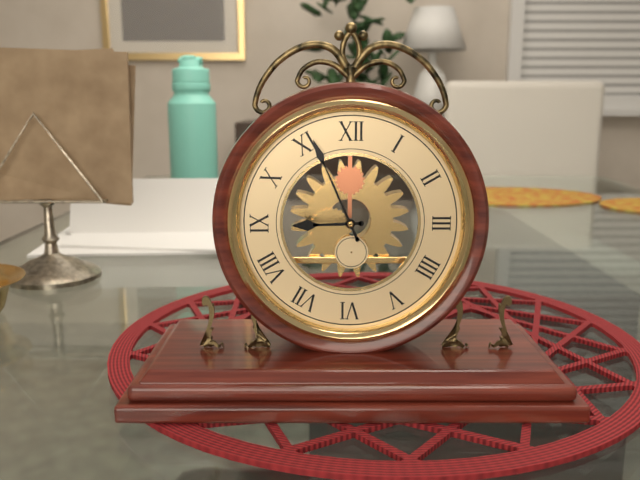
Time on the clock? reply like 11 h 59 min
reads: 8 h 56 min
